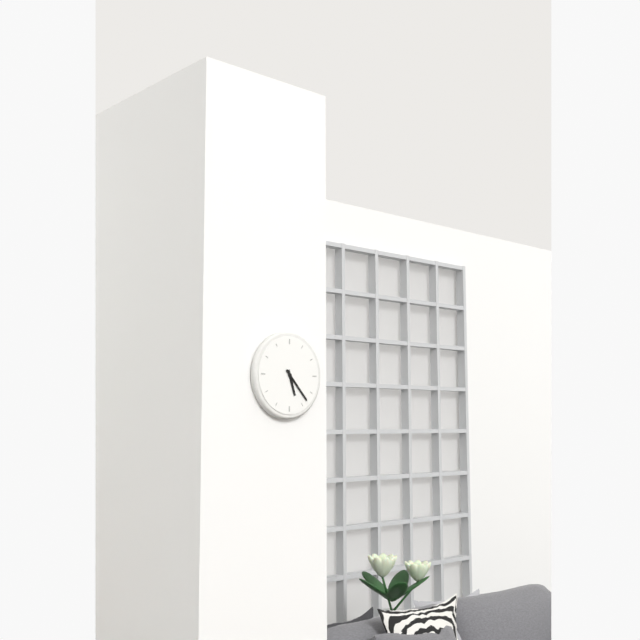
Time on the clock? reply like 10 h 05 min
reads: 5 h 23 min
